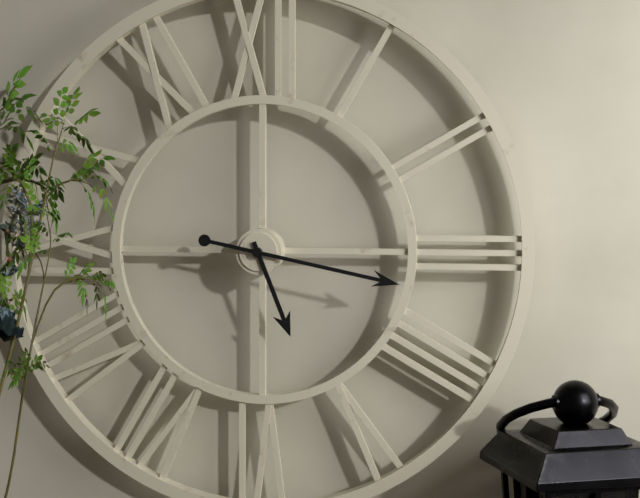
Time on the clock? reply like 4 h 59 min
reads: 5 h 17 min
